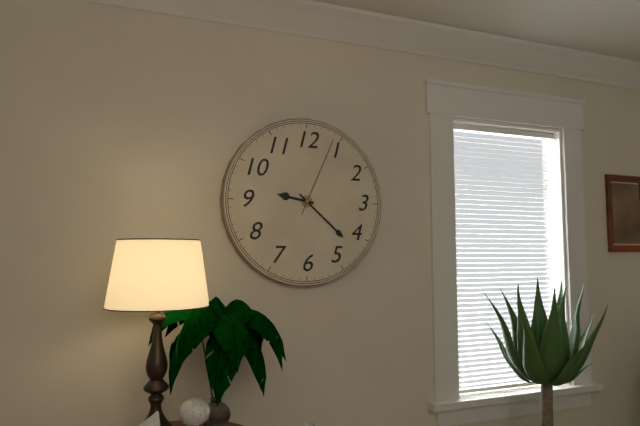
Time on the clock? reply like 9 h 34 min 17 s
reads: 9 h 22 min 04 s
